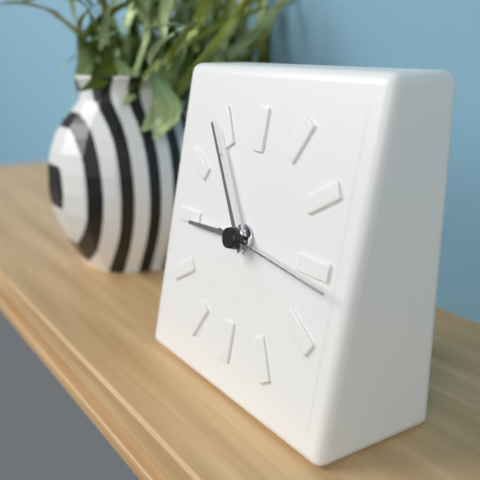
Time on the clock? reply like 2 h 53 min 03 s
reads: 8 h 54 min 16 s
